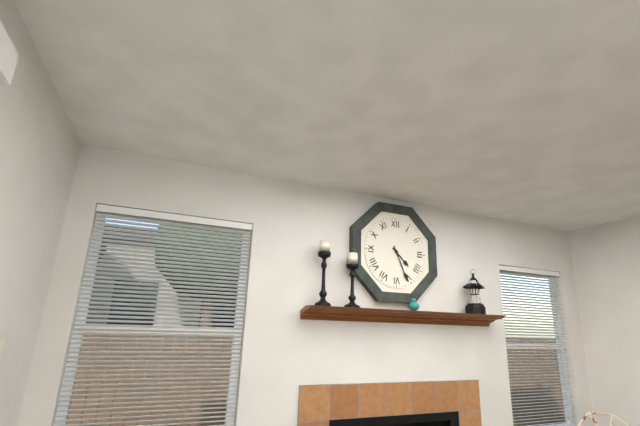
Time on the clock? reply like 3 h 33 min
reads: 4 h 26 min
